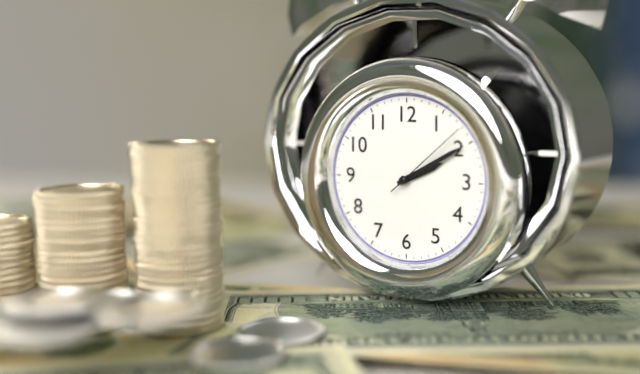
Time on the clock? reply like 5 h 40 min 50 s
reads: 2 h 10 min 08 s
